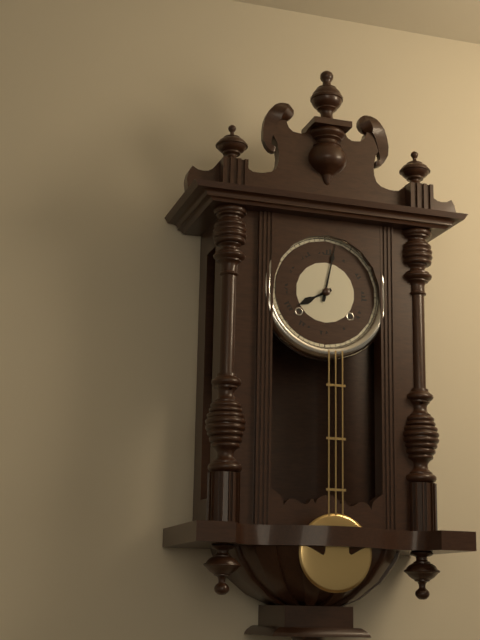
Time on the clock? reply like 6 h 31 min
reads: 8 h 02 min
